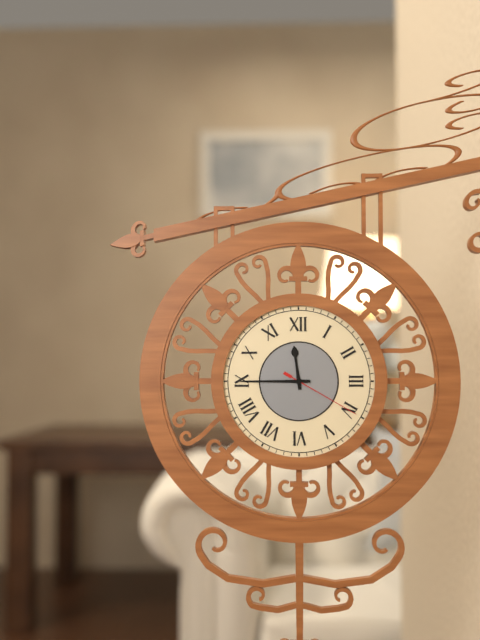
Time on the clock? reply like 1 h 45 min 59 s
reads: 11 h 45 min 20 s
